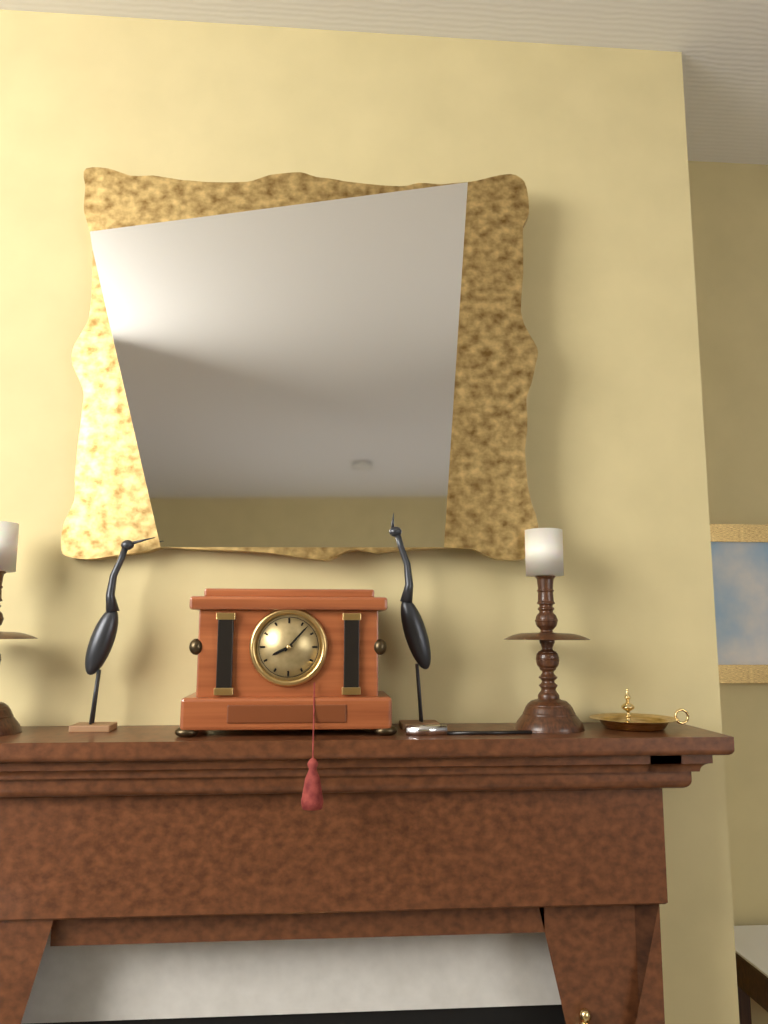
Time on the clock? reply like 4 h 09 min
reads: 8 h 07 min
